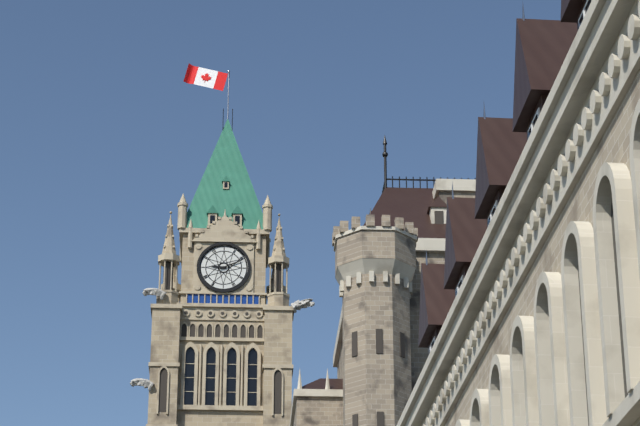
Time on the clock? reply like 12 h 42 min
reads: 9 h 11 min
